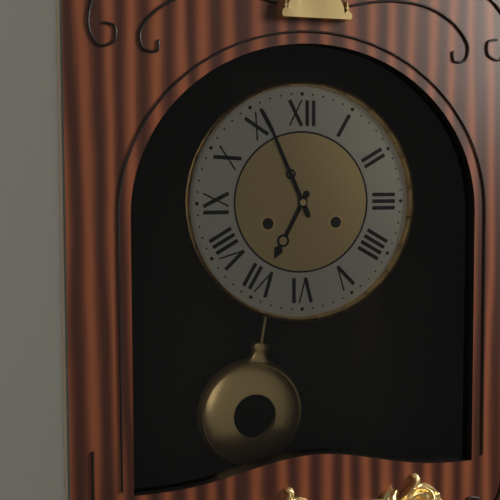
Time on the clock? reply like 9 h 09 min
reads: 6 h 56 min
